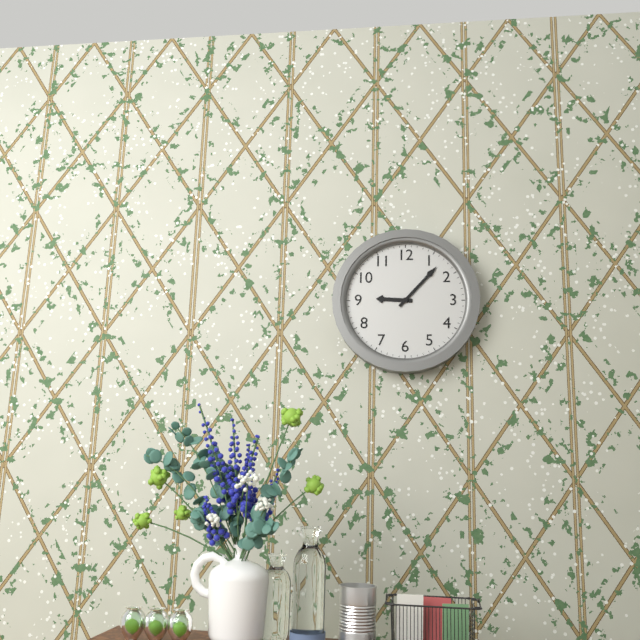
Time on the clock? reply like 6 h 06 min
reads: 9 h 07 min
